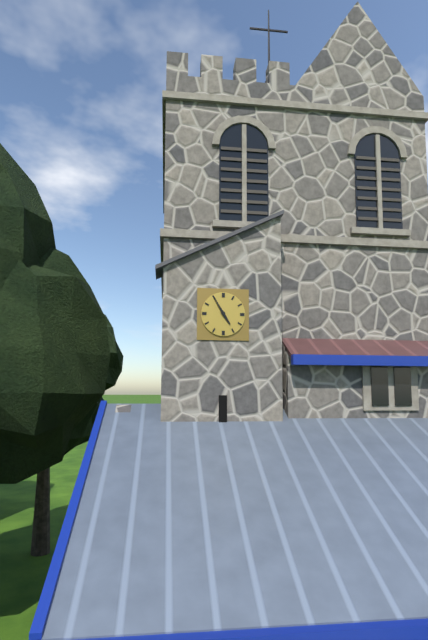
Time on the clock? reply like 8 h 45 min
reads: 4 h 55 min
